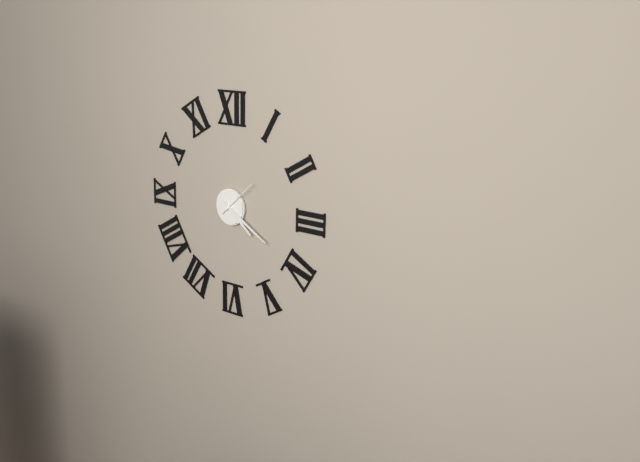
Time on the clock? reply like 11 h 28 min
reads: 4 h 20 min
